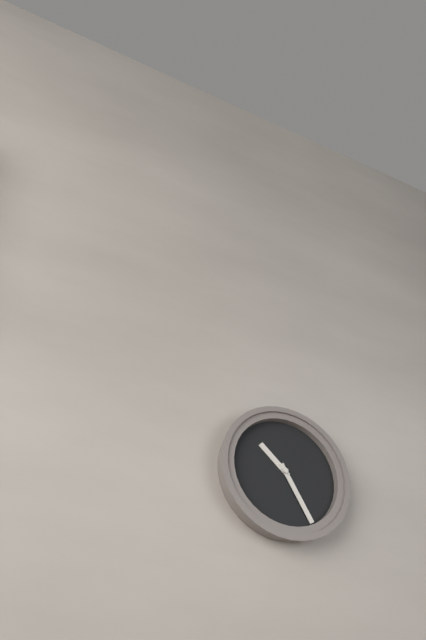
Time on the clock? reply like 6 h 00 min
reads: 10 h 25 min
